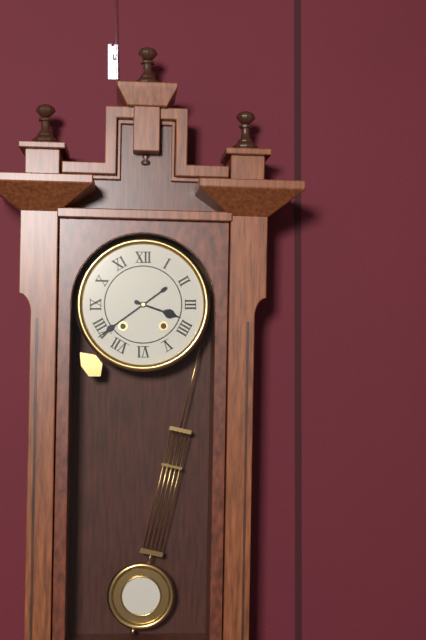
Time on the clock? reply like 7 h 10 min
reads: 3 h 39 min
